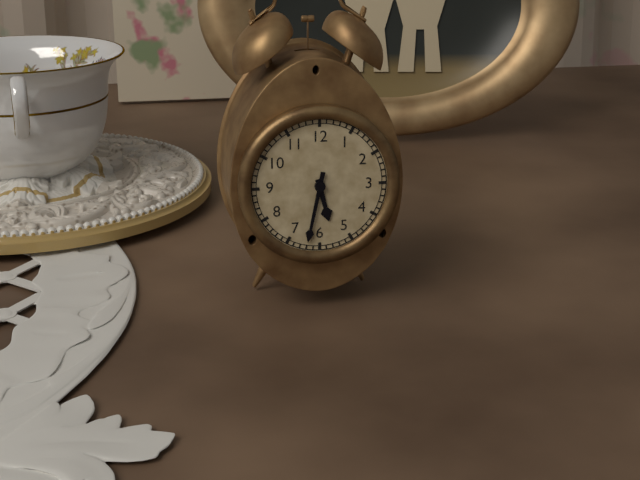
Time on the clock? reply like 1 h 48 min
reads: 5 h 32 min
